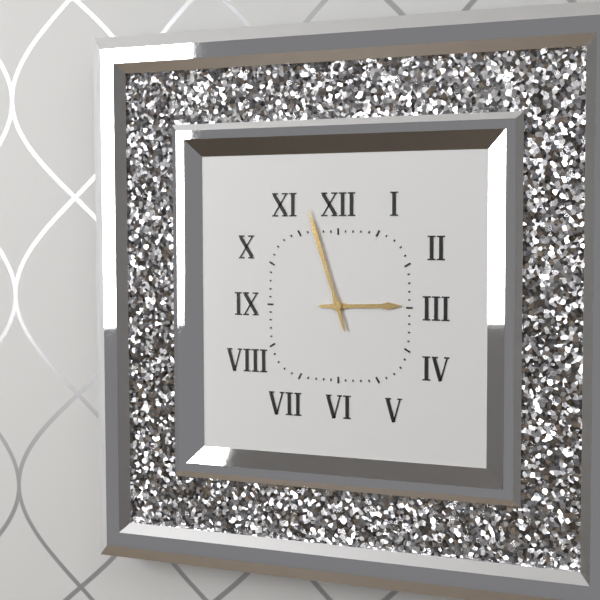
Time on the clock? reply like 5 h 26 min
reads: 2 h 57 min
